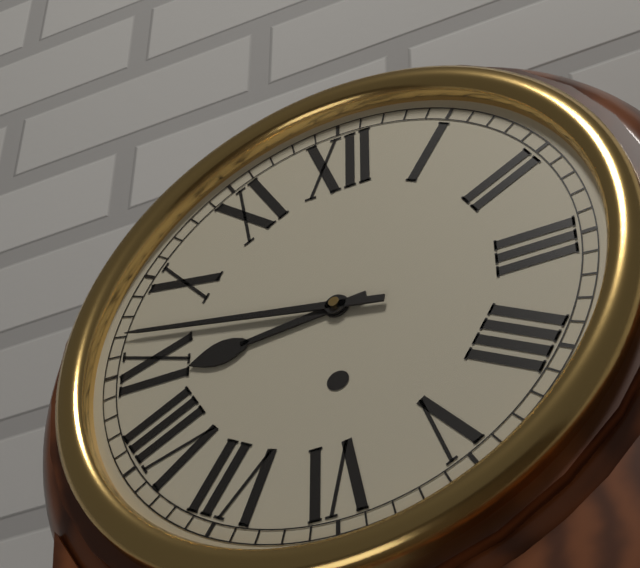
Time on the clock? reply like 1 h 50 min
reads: 8 h 47 min
